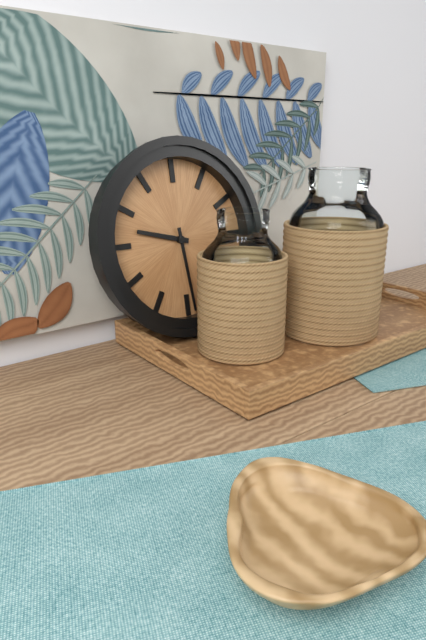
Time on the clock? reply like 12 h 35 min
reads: 9 h 29 min
